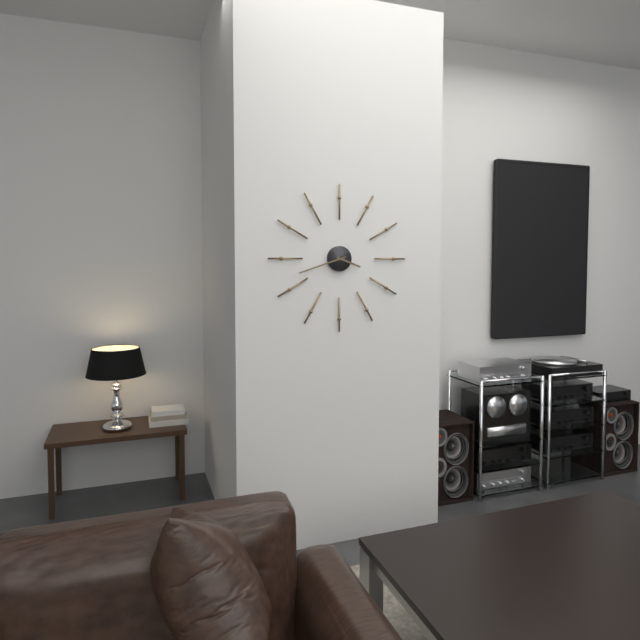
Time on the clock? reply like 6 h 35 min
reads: 3 h 42 min
